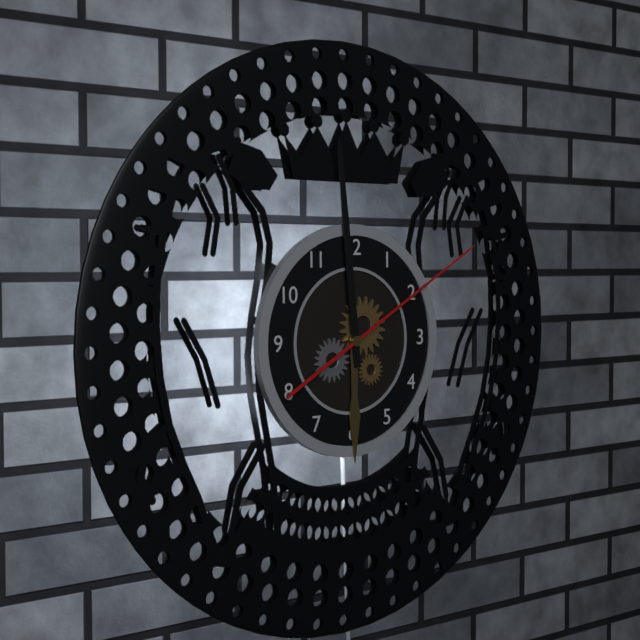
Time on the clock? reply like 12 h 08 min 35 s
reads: 5 h 59 min 10 s
